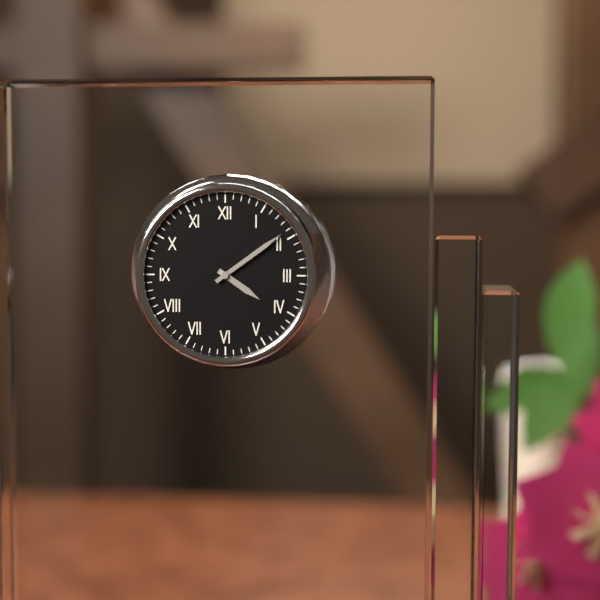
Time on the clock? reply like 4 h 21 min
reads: 4 h 09 min
